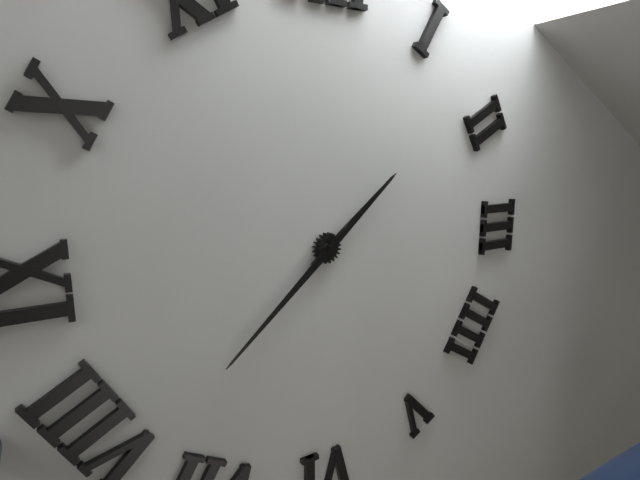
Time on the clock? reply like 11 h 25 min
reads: 1 h 38 min
